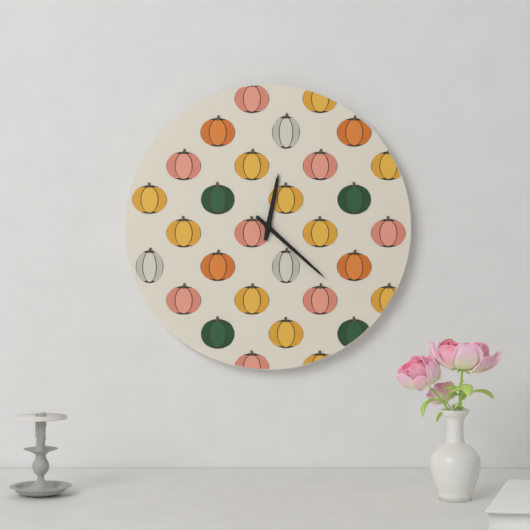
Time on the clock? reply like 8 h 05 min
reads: 12 h 22 min
